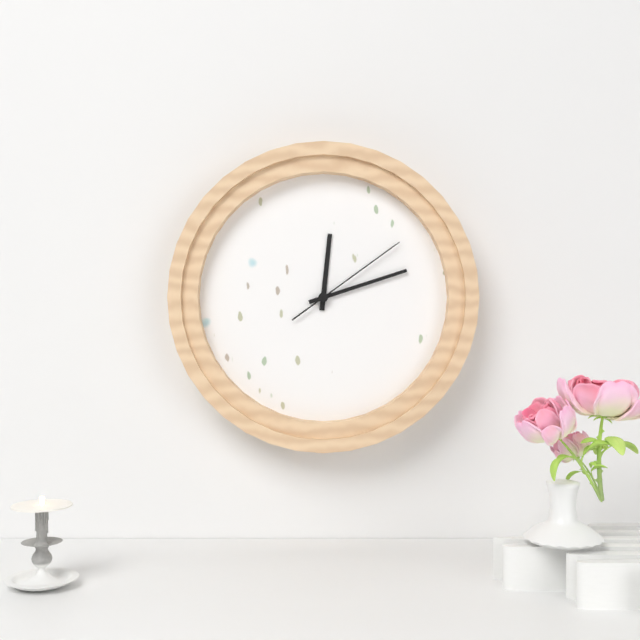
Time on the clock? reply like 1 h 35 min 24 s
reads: 12 h 12 min 09 s
